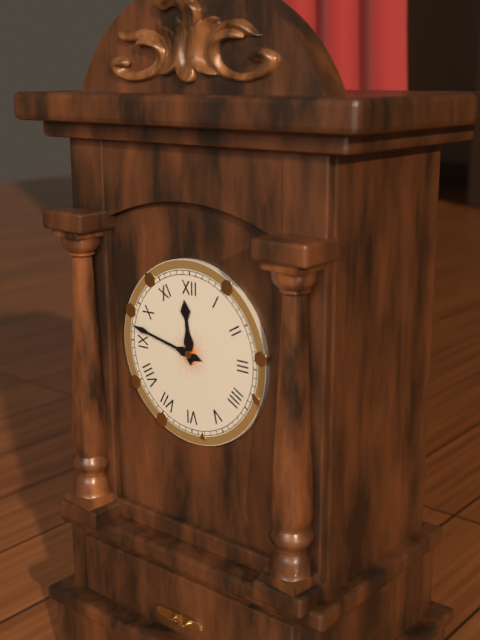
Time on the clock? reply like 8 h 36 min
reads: 11 h 47 min
